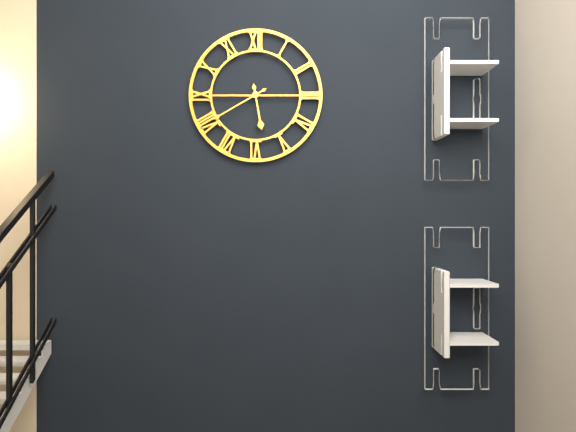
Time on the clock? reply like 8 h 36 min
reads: 5 h 40 min
